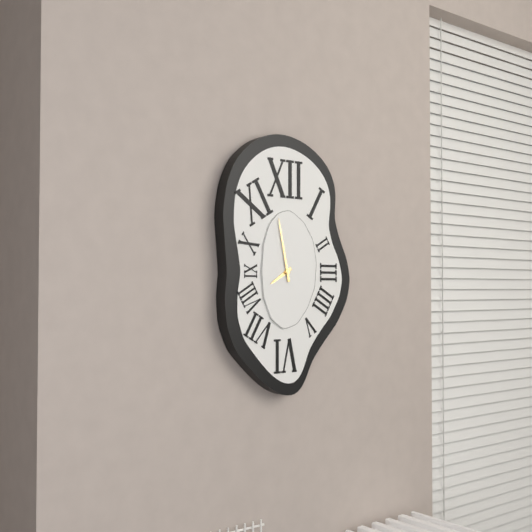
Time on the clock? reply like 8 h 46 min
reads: 7 h 58 min
